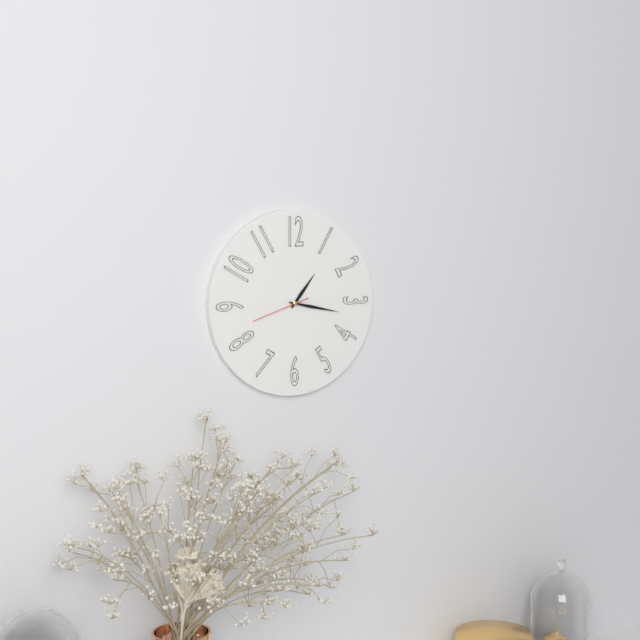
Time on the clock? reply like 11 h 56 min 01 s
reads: 1 h 17 min 42 s
